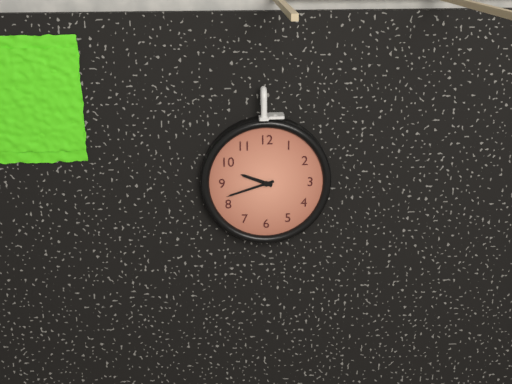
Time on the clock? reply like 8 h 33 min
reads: 9 h 42 min
